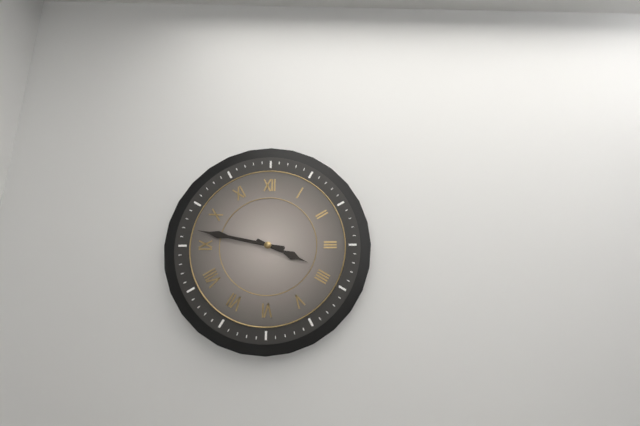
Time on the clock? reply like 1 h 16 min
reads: 3 h 47 min
